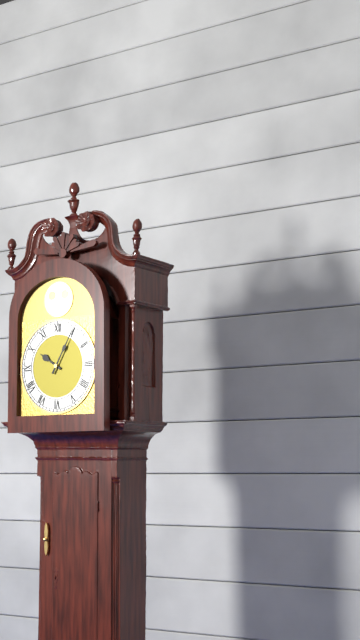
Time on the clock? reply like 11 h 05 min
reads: 10 h 05 min
